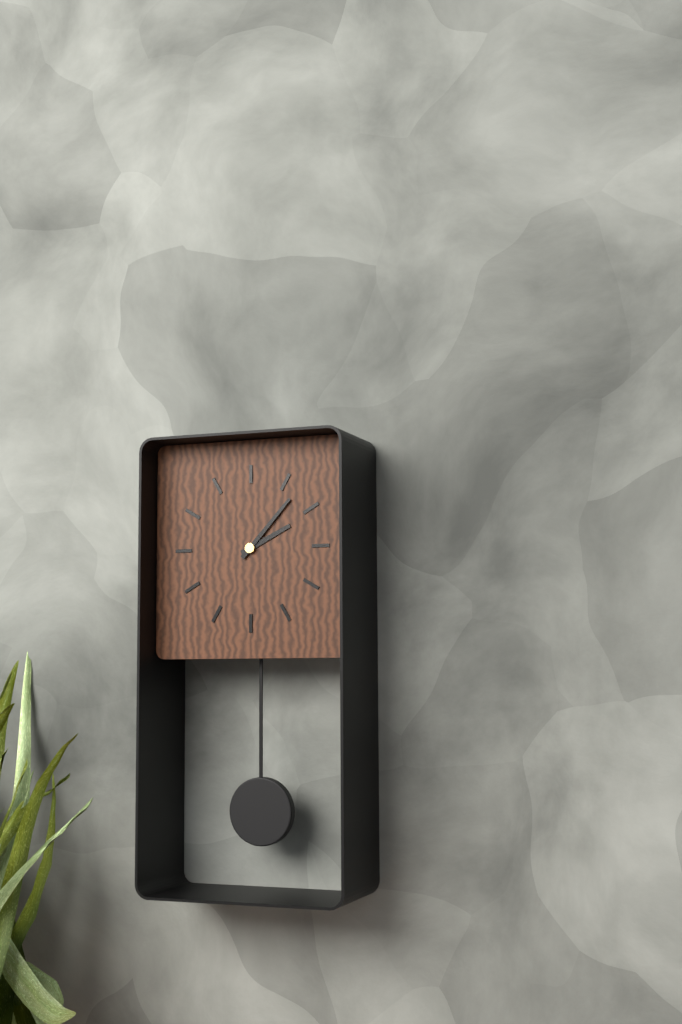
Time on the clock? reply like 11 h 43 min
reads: 2 h 07 min
